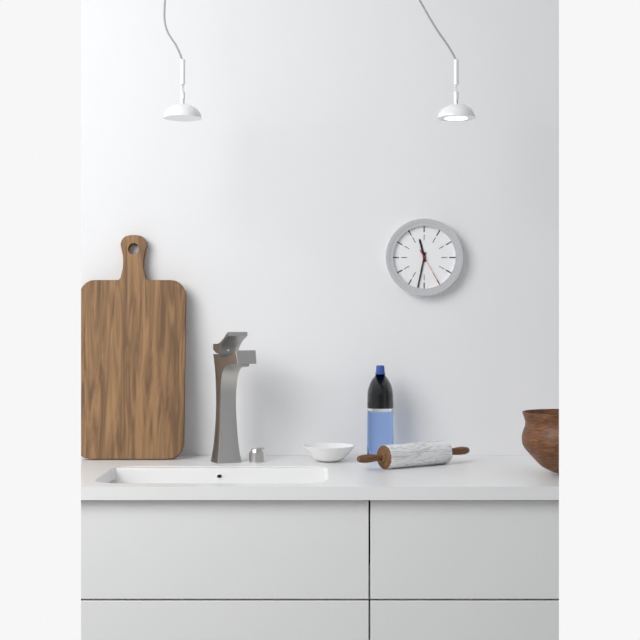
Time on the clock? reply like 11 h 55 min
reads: 11 h 32 min
